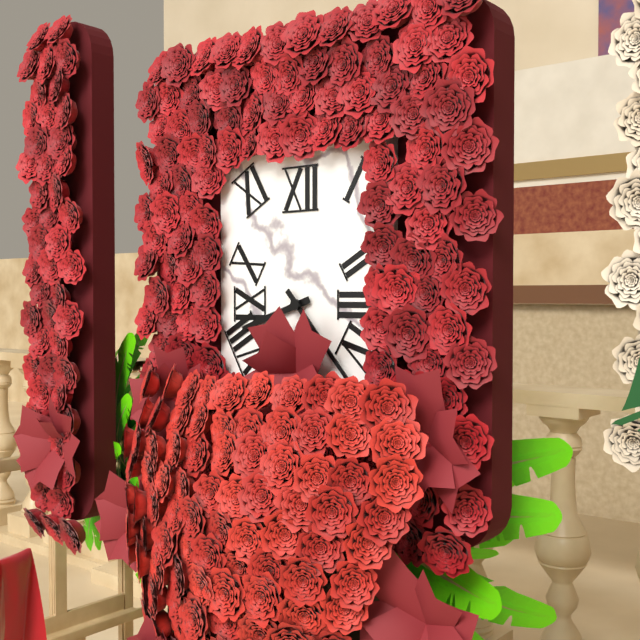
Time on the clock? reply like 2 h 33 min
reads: 8 h 23 min
